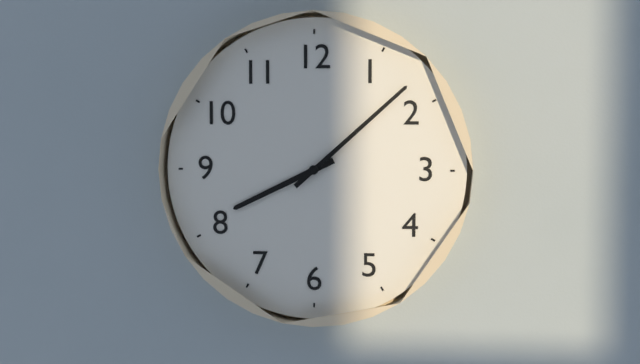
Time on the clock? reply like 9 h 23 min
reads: 8 h 08 min
